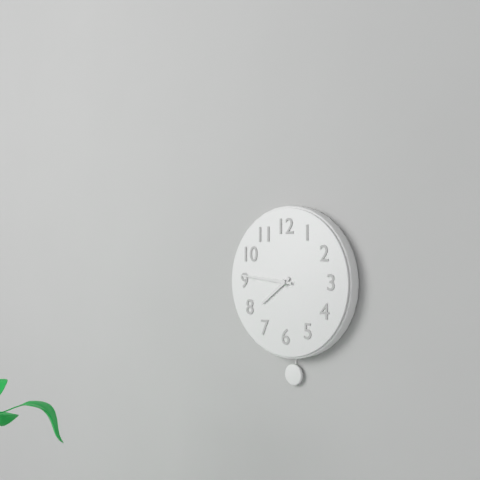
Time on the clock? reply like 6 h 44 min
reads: 7 h 46 min
